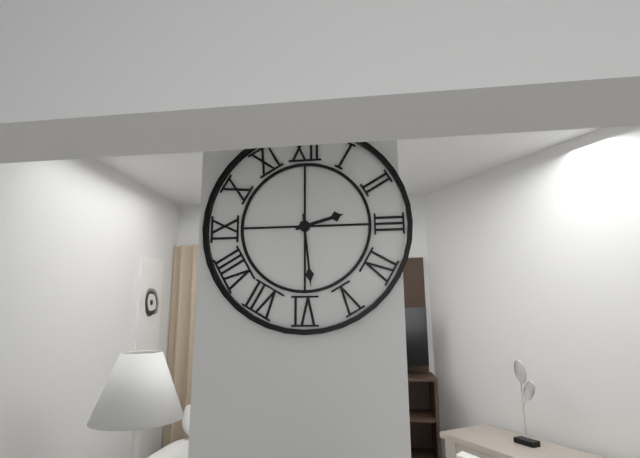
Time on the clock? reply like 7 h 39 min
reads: 2 h 29 min
